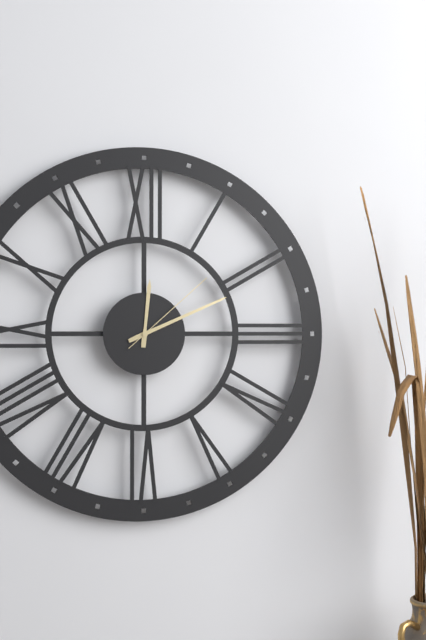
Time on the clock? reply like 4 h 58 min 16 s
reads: 12 h 11 min 08 s
